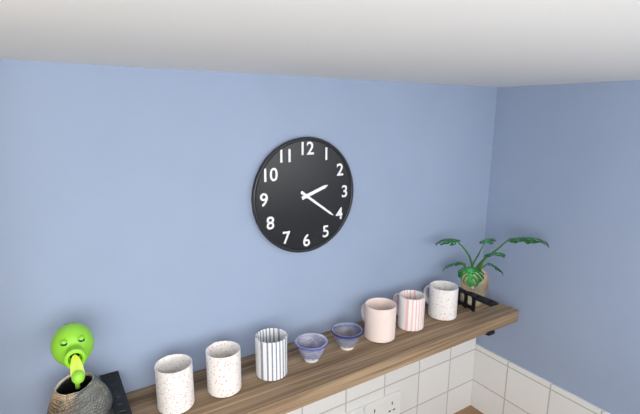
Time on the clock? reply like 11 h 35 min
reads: 2 h 21 min
